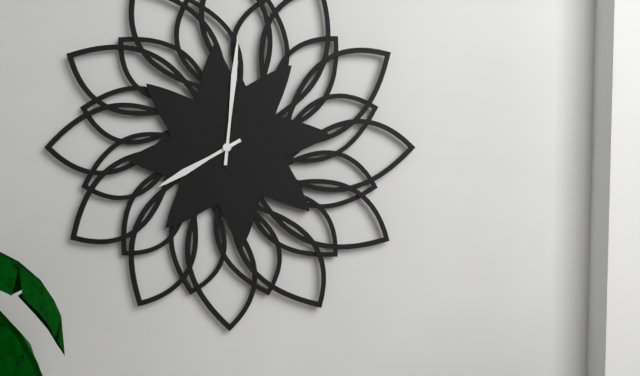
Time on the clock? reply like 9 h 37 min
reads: 8 h 01 min
